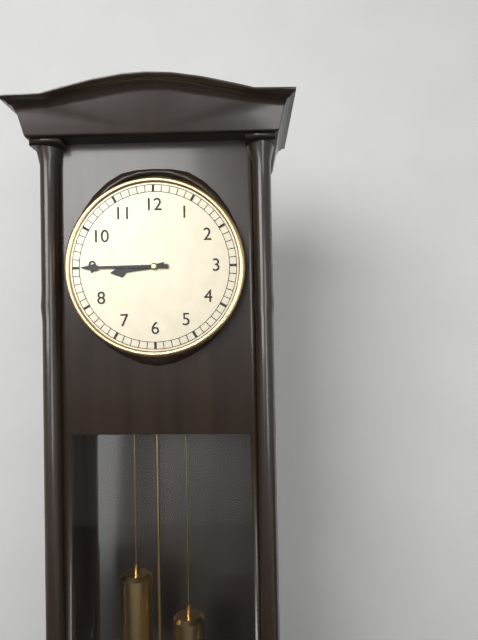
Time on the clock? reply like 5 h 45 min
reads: 8 h 45 min
